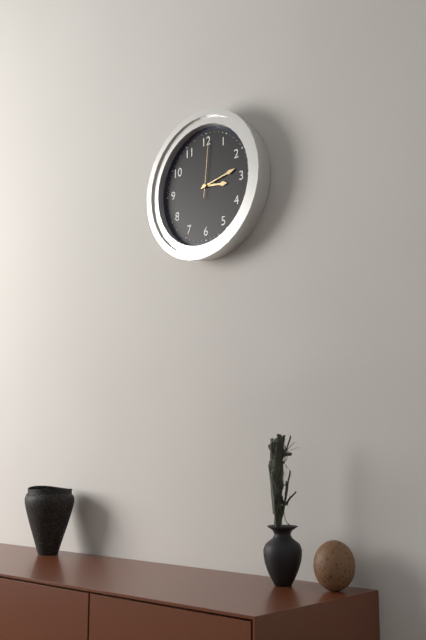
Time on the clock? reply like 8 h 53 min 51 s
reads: 3 h 13 min 01 s
